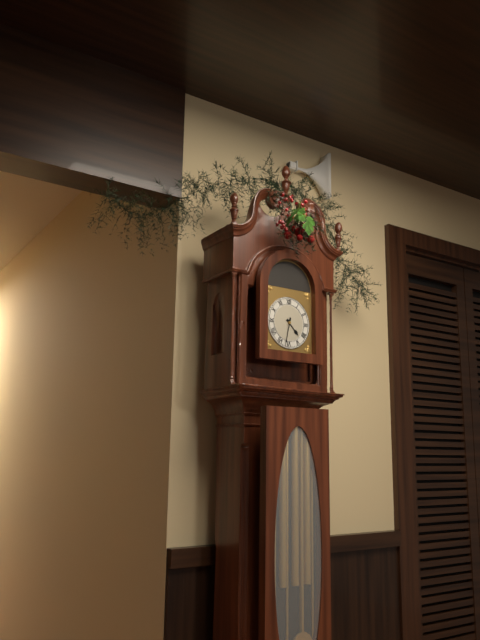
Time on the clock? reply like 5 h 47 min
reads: 4 h 32 min
